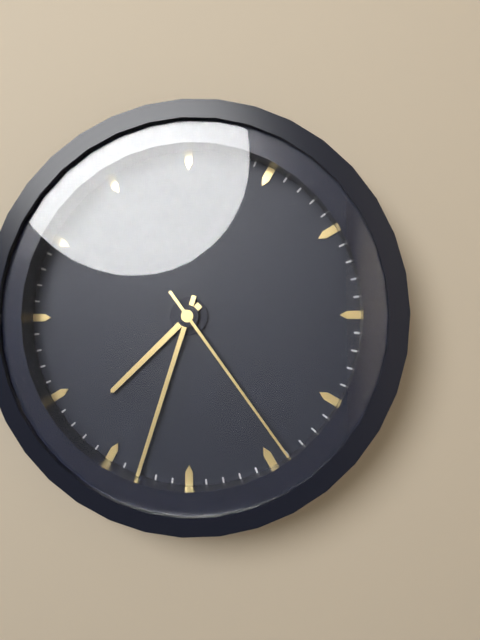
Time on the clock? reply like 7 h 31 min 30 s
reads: 7 h 33 min 24 s
